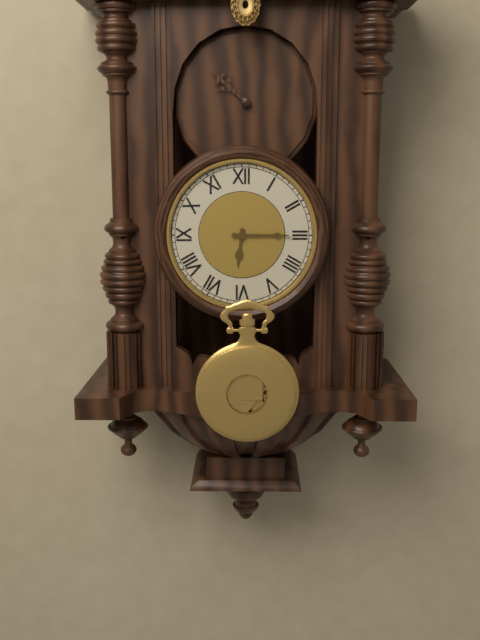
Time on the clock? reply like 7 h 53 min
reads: 6 h 15 min
